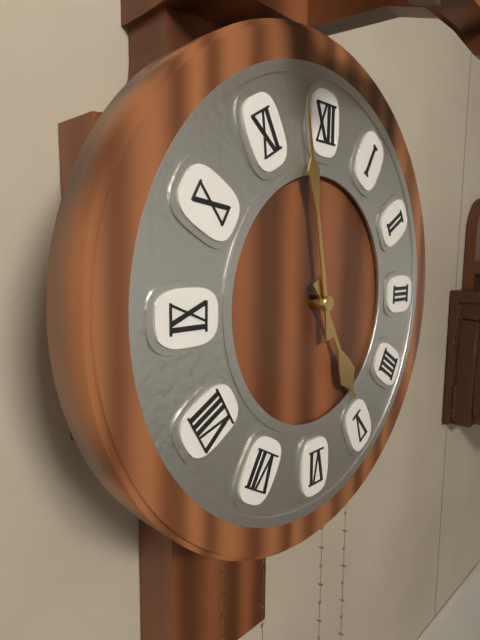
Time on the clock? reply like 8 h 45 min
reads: 4 h 58 min
